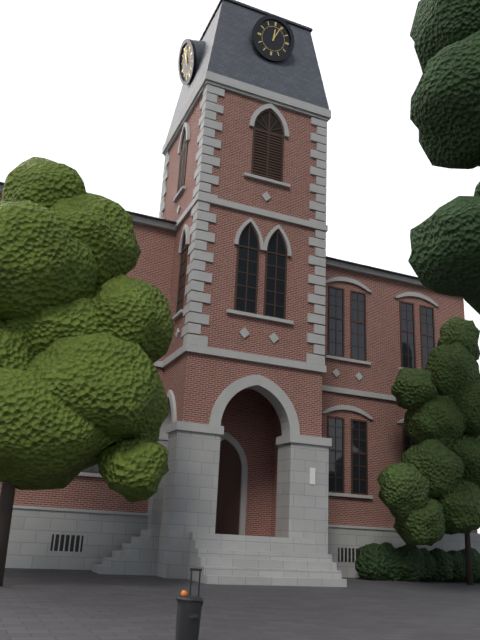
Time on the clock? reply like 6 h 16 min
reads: 12 h 04 min
